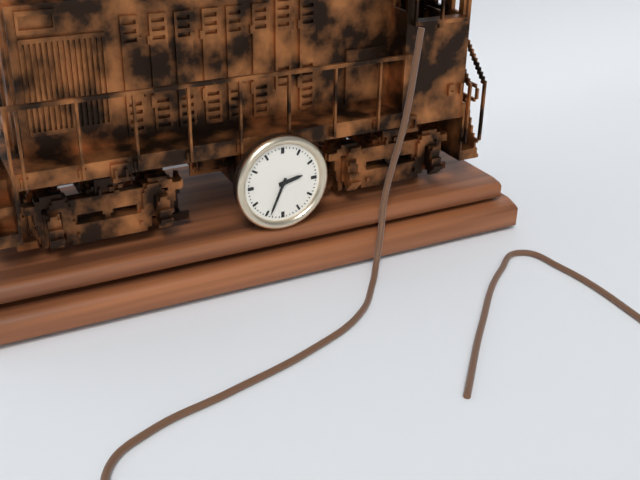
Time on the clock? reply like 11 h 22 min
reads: 2 h 34 min
